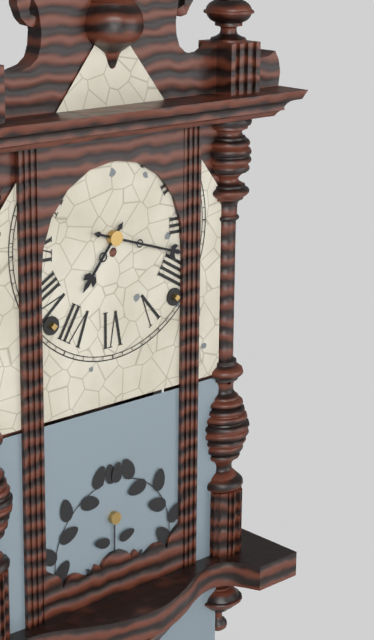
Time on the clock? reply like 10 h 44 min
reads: 7 h 18 min
